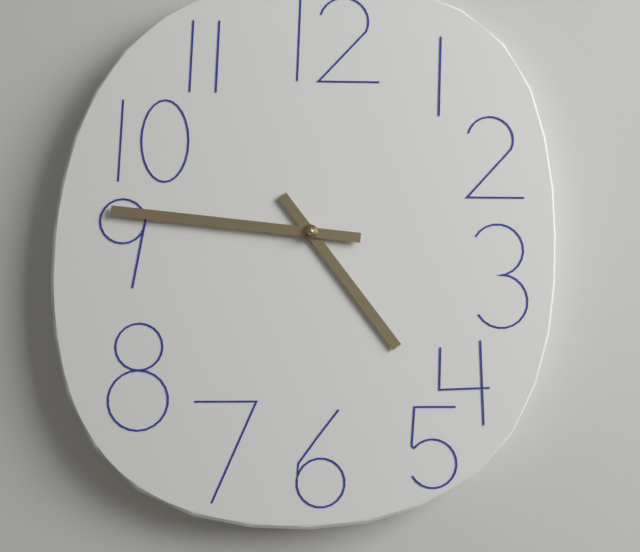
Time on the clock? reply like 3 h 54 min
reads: 4 h 46 min
